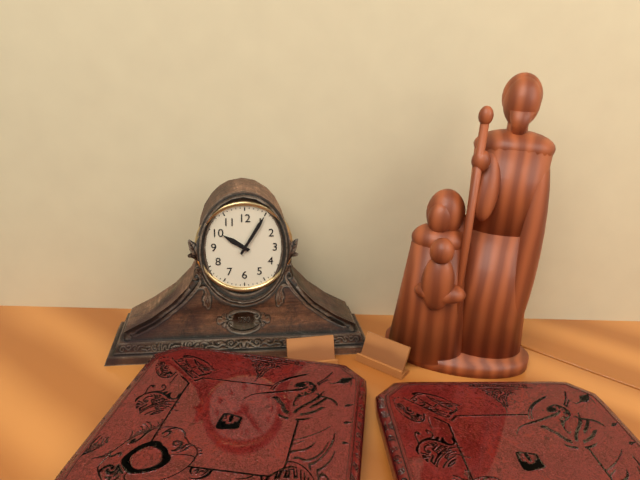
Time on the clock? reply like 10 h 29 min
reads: 10 h 05 min
